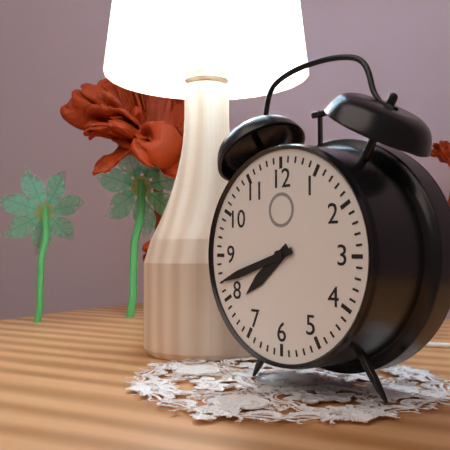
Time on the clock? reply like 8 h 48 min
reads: 7 h 42 min
